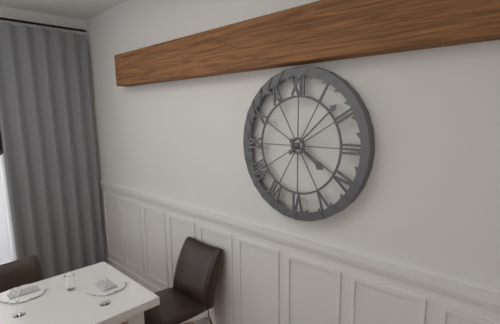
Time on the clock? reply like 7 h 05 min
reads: 4 h 08 min
